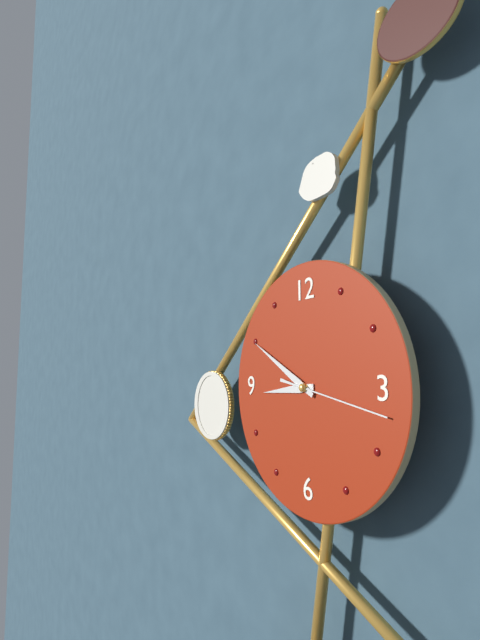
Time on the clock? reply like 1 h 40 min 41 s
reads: 8 h 50 min 17 s
